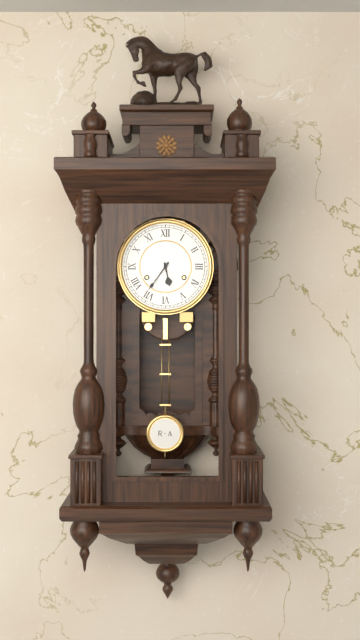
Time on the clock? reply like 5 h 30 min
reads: 5 h 36 min
